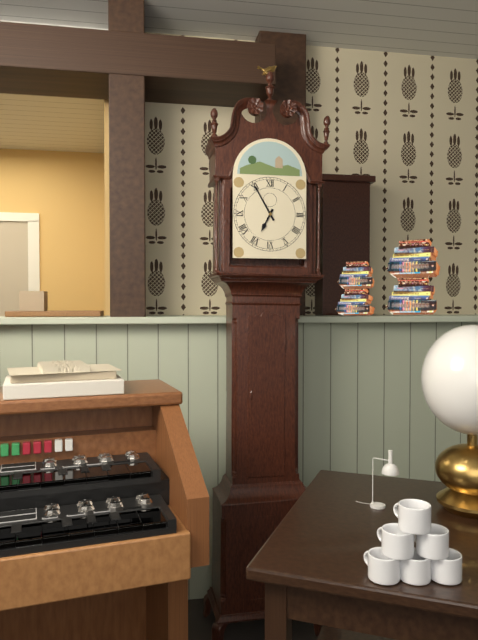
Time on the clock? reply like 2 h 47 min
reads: 6 h 55 min
